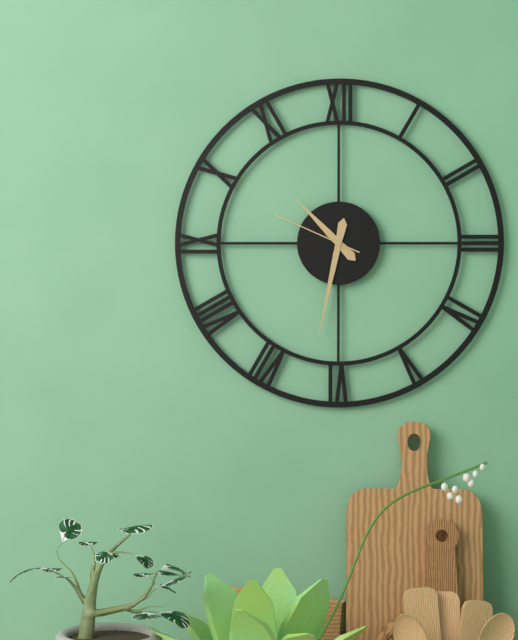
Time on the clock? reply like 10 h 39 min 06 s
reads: 10 h 32 min 49 s
